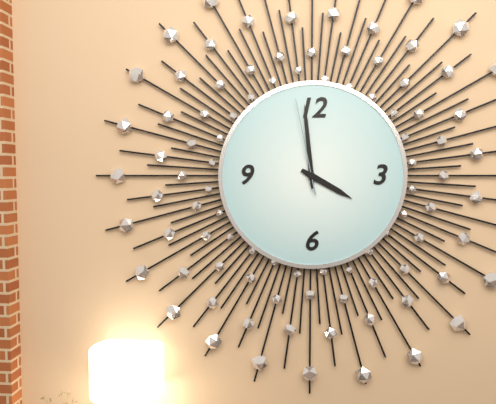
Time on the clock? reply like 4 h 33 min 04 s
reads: 3 h 59 min 58 s
